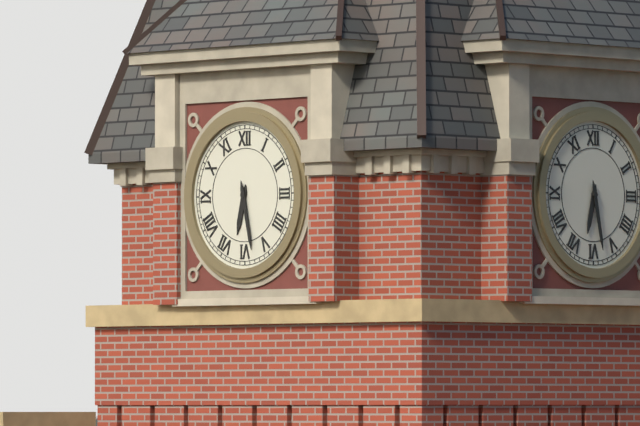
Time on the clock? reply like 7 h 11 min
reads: 6 h 28 min
